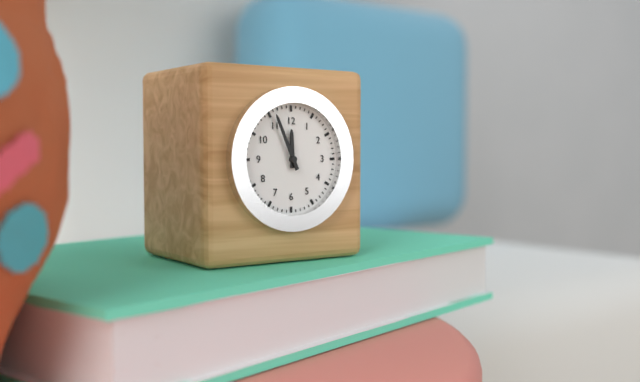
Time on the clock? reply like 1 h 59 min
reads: 11 h 56 min
